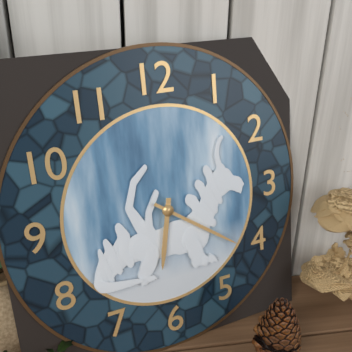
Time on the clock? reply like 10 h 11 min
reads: 6 h 21 min
